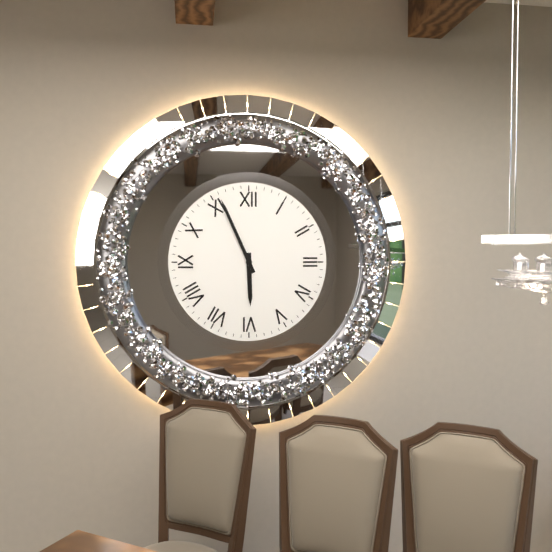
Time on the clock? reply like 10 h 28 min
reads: 5 h 56 min
